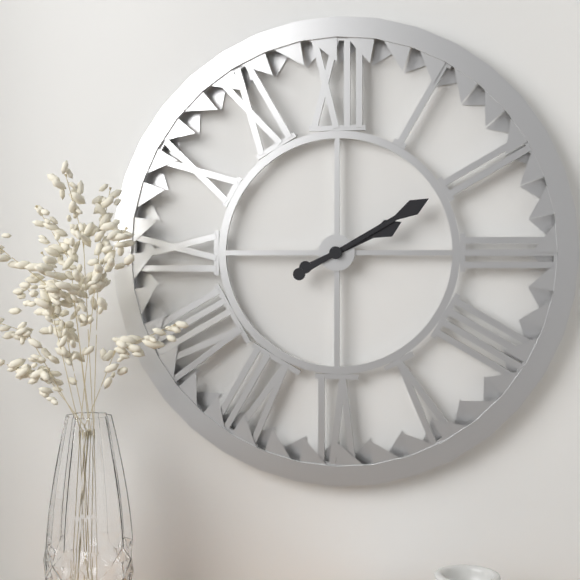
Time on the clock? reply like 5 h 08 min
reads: 2 h 10 min
